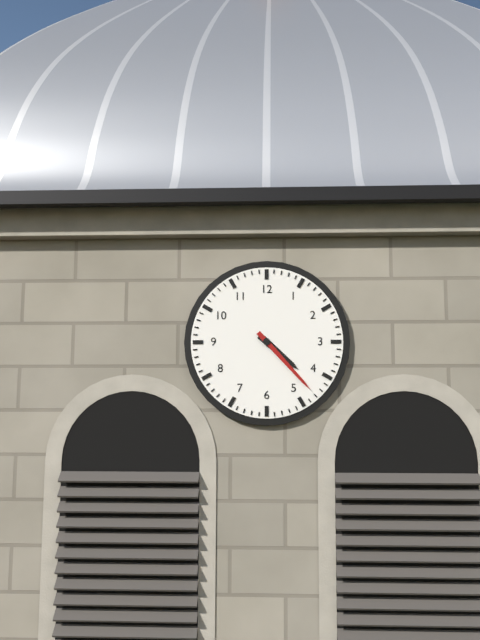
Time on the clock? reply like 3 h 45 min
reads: 4 h 23 min
